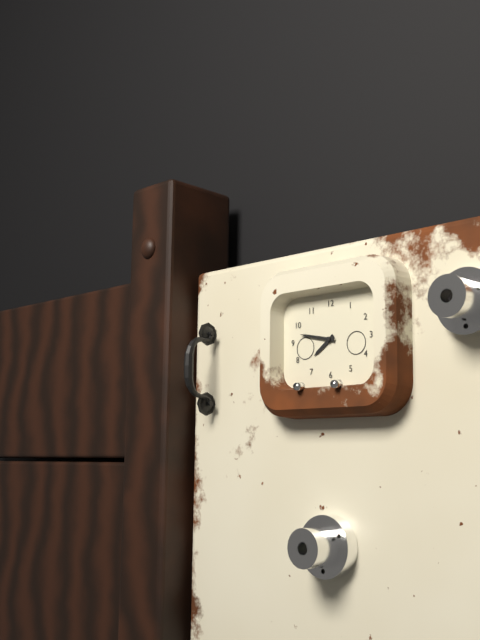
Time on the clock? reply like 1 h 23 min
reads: 7 h 47 min
